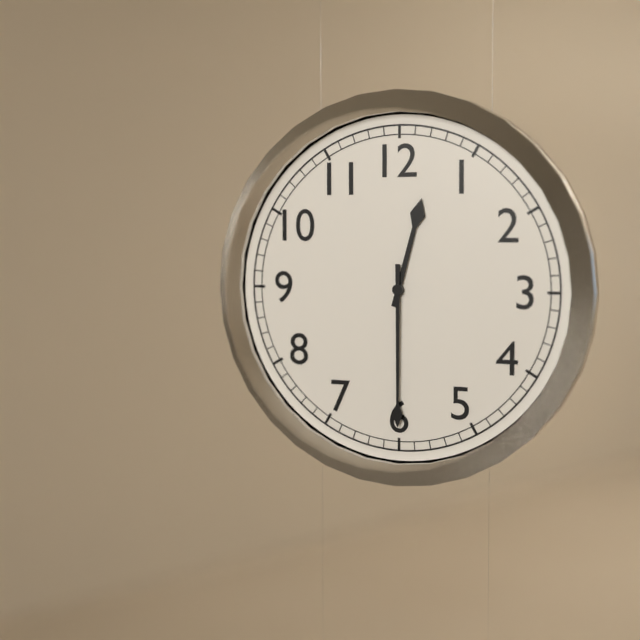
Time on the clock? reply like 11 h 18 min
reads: 12 h 30 min
